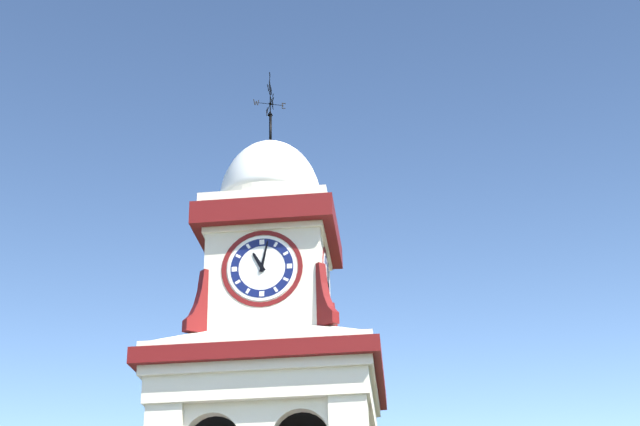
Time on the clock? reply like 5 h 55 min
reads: 11 h 02 min
